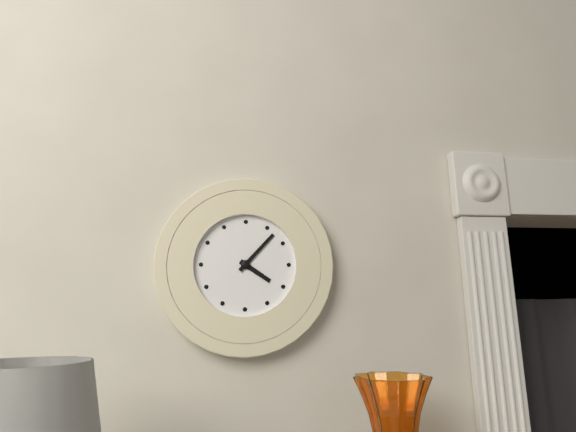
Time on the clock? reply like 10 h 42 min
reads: 4 h 07 min
